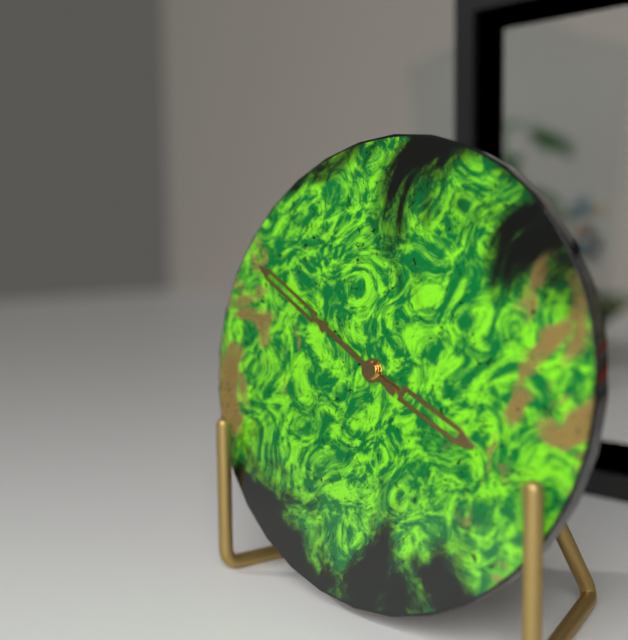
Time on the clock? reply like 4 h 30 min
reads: 3 h 50 min
